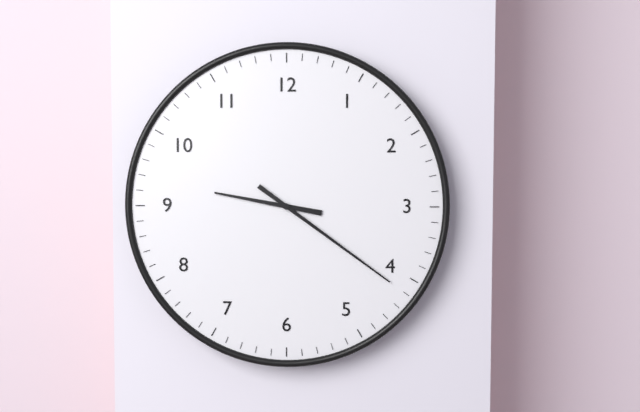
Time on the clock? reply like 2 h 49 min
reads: 9 h 21 min
